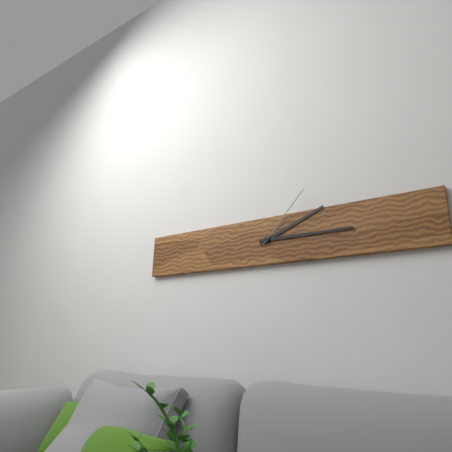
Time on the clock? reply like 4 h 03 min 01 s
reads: 2 h 15 min 07 s
